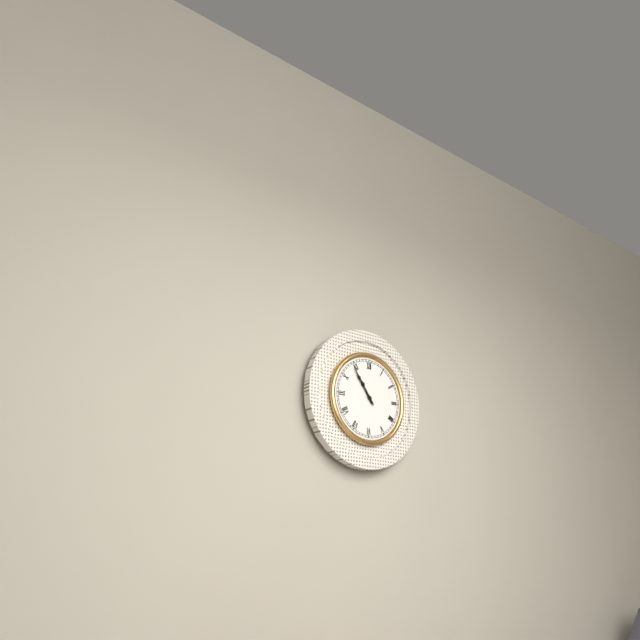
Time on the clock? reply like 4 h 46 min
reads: 10 h 54 min
